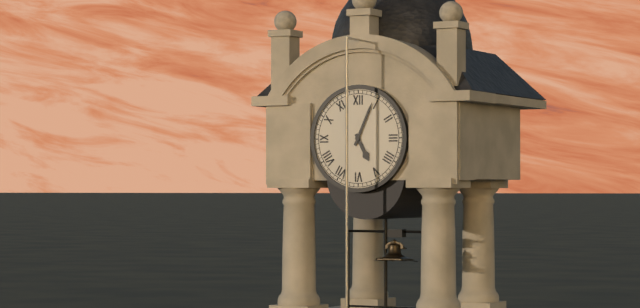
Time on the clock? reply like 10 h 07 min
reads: 5 h 04 min
